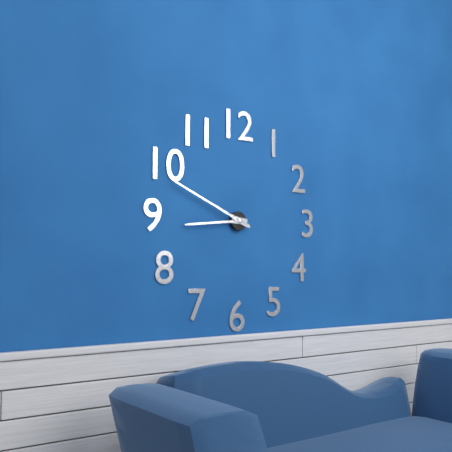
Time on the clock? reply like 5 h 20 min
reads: 8 h 49 min
